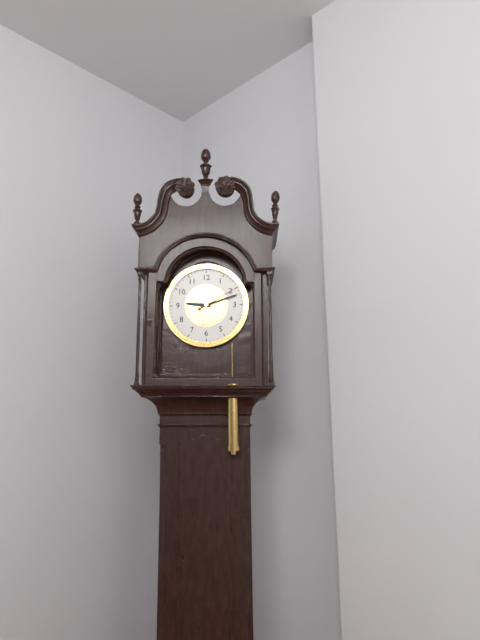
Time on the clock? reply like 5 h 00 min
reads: 9 h 12 min
